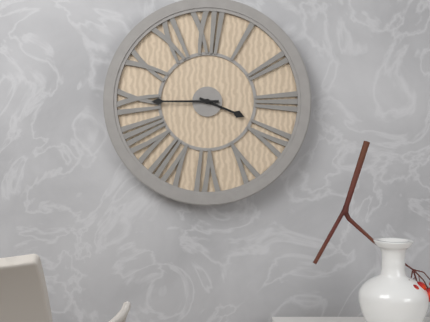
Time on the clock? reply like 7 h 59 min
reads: 3 h 45 min
